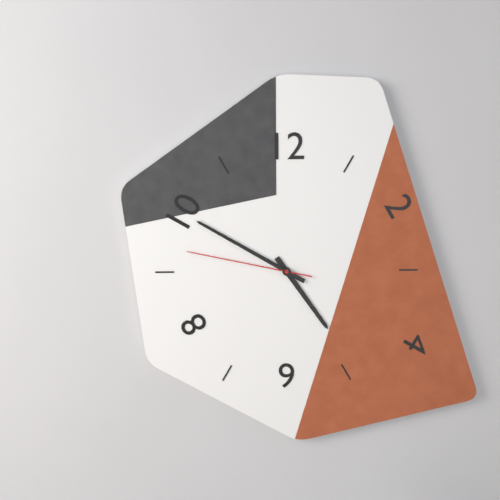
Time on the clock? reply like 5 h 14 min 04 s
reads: 4 h 50 min 47 s
